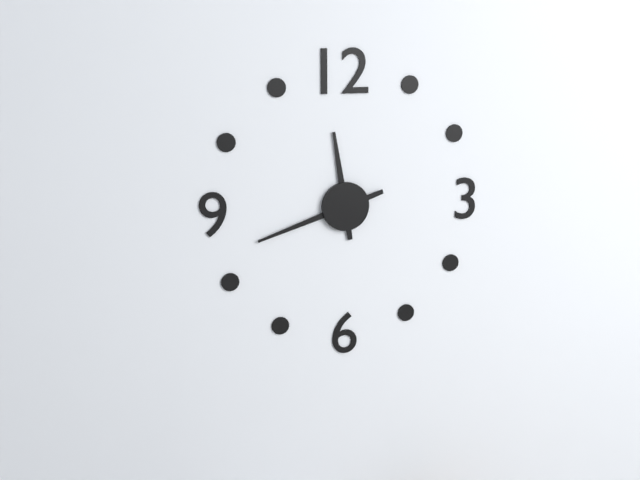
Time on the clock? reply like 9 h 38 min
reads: 11 h 42 min
